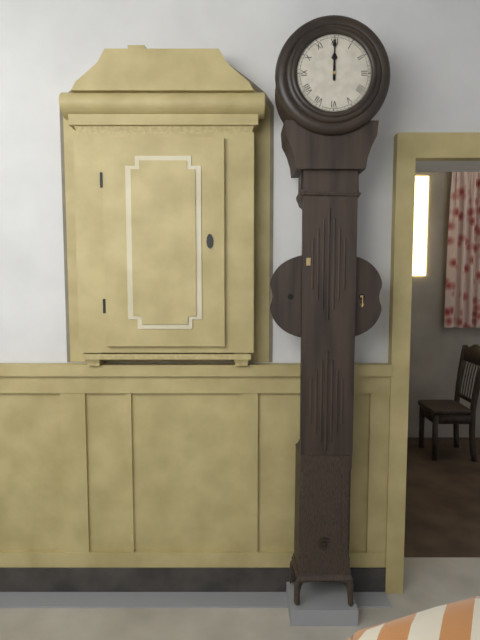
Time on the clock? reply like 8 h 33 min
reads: 12 h 00 min
